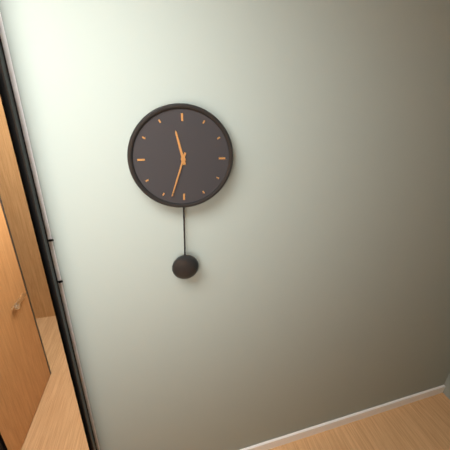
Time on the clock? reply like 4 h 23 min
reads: 11 h 33 min
